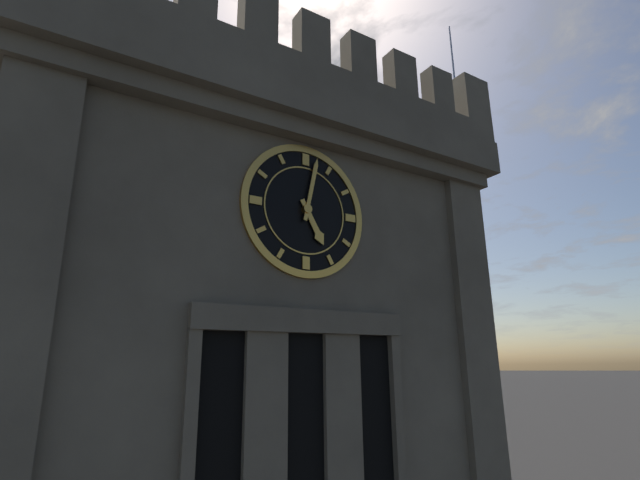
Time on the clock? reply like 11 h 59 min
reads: 5 h 02 min
